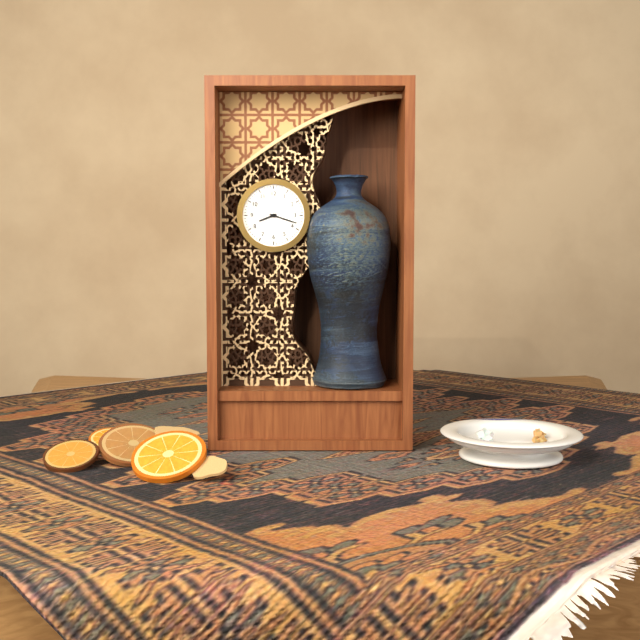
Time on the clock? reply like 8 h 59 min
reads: 8 h 18 min
